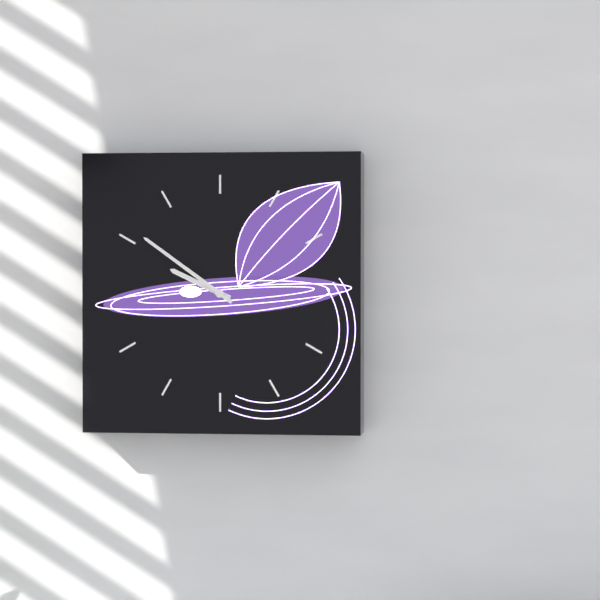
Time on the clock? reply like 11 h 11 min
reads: 9 h 51 min
